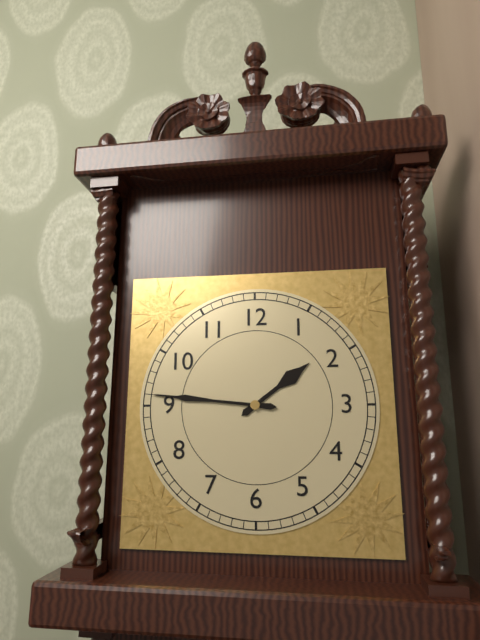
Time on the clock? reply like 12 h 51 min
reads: 1 h 46 min
